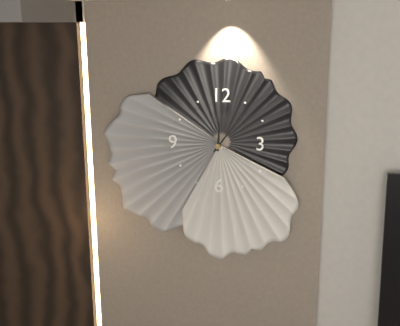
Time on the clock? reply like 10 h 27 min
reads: 12 h 06 min
